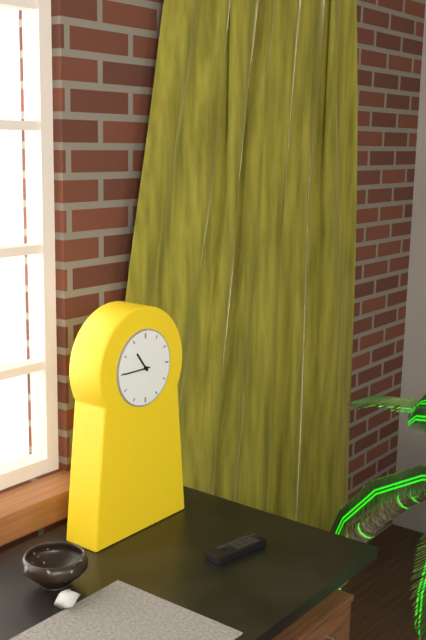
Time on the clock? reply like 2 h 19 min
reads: 10 h 45 min
